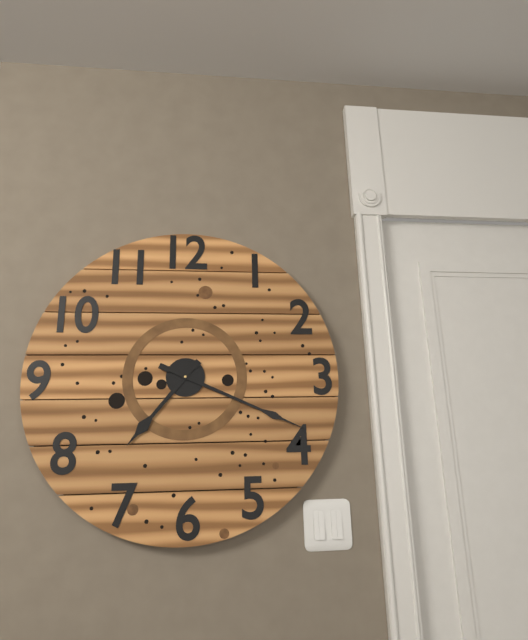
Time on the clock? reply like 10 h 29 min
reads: 7 h 19 min
